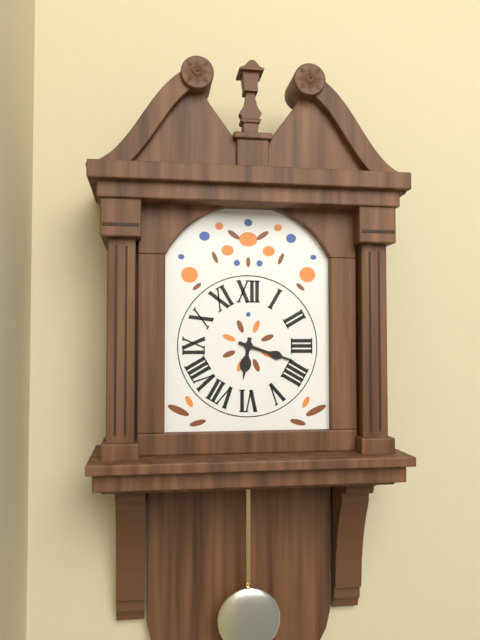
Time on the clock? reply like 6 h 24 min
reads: 6 h 18 min
